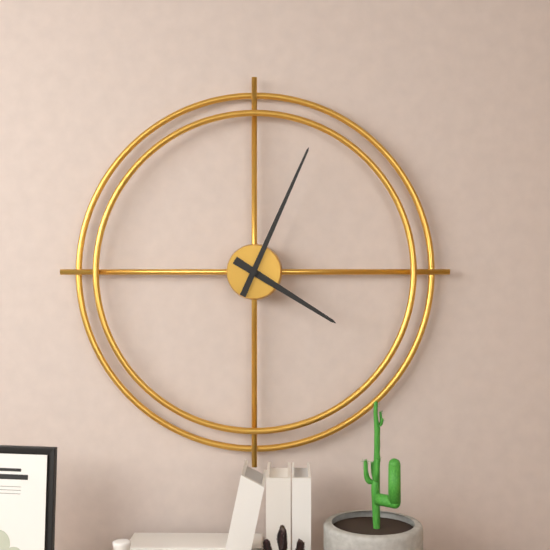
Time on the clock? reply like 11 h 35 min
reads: 4 h 04 min
